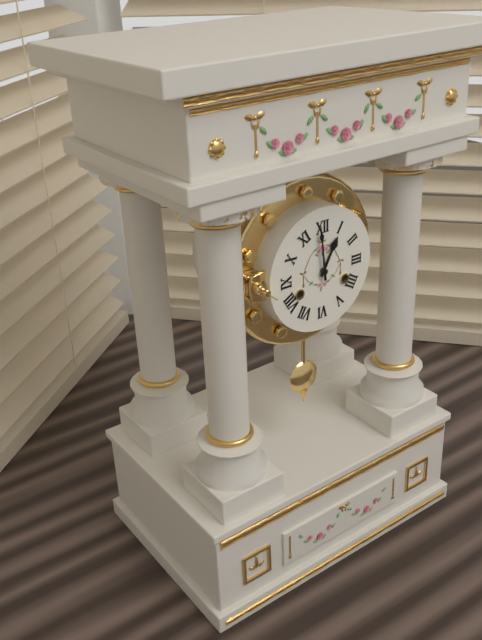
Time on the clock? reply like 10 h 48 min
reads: 12 h 59 min
